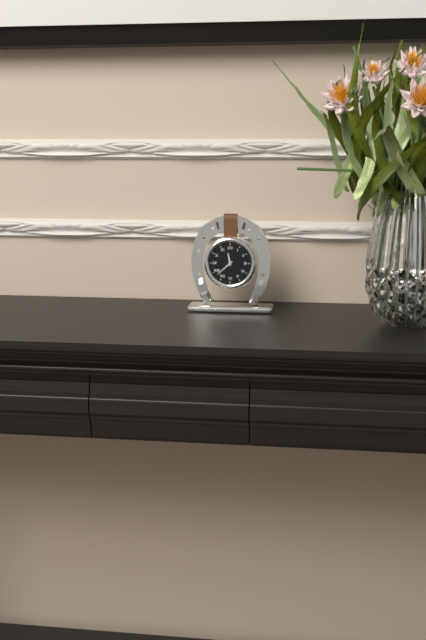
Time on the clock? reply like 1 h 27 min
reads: 11 h 38 min
